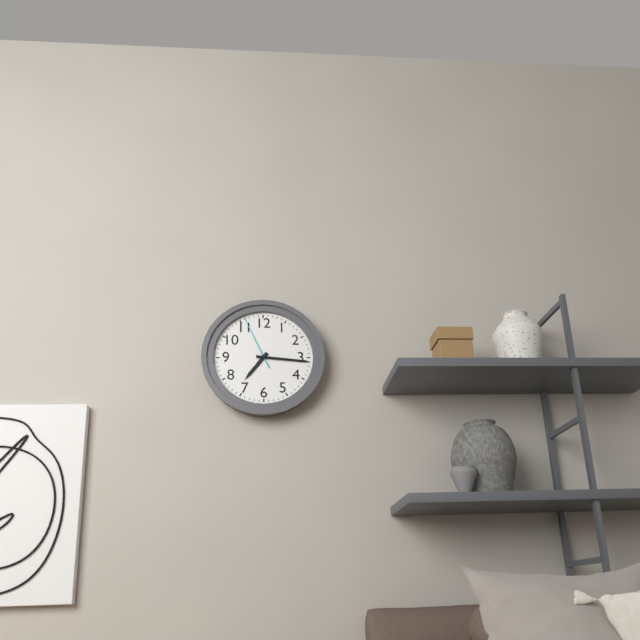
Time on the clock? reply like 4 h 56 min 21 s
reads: 7 h 16 min 56 s
